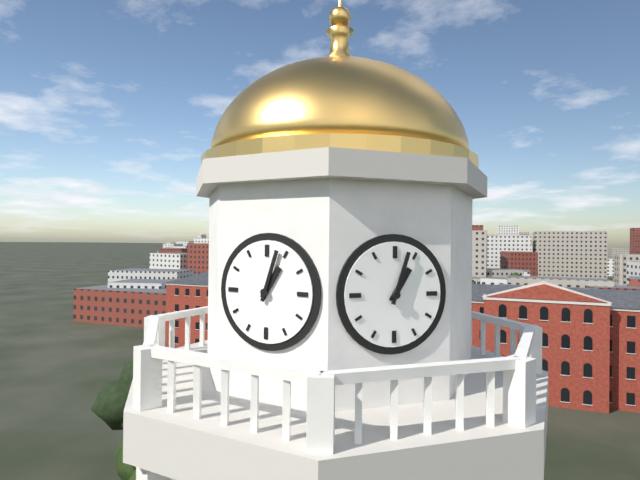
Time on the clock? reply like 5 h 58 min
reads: 1 h 03 min
